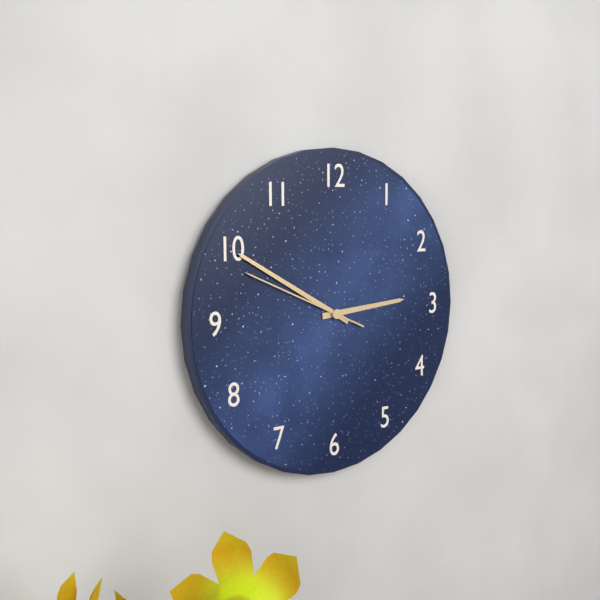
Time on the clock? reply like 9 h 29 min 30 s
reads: 2 h 50 min 49 s
